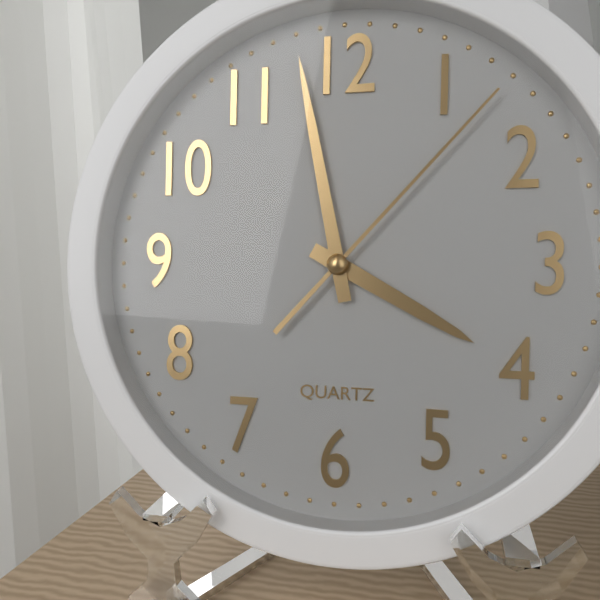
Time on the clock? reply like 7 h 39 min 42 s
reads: 3 h 58 min 07 s
